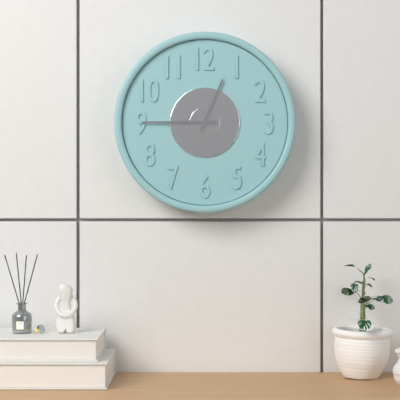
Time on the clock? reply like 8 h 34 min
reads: 12 h 45 min
